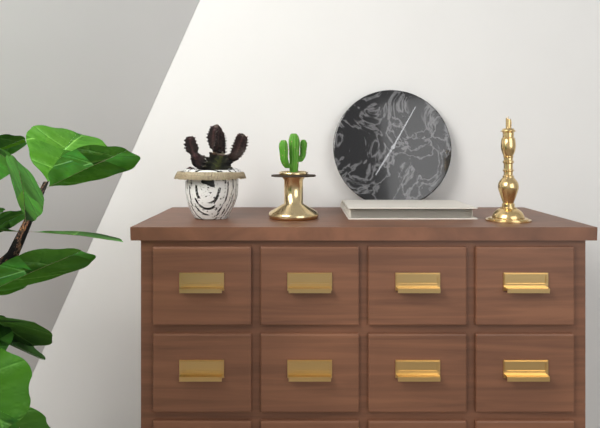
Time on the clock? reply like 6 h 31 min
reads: 7 h 05 min
